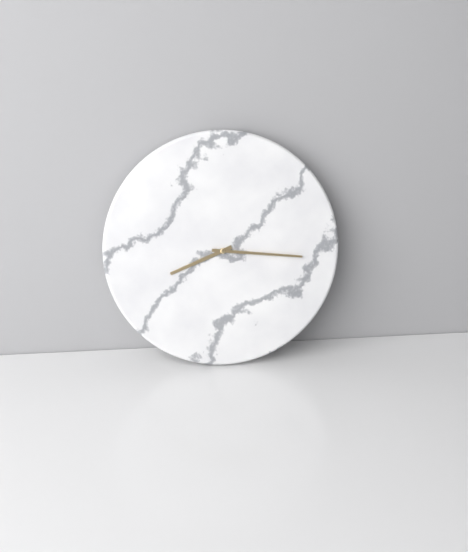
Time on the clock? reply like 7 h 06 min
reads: 8 h 16 min
